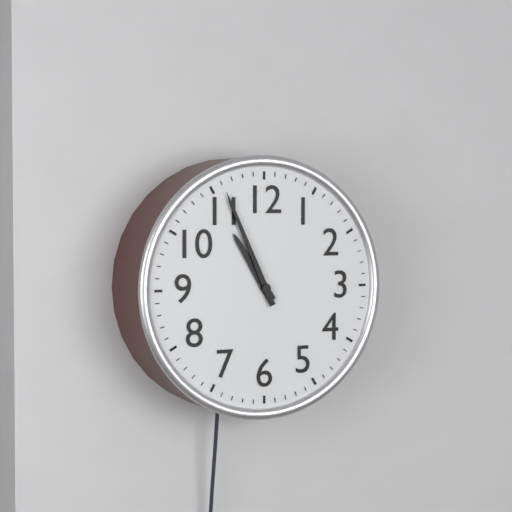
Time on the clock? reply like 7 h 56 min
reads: 10 h 56 min
